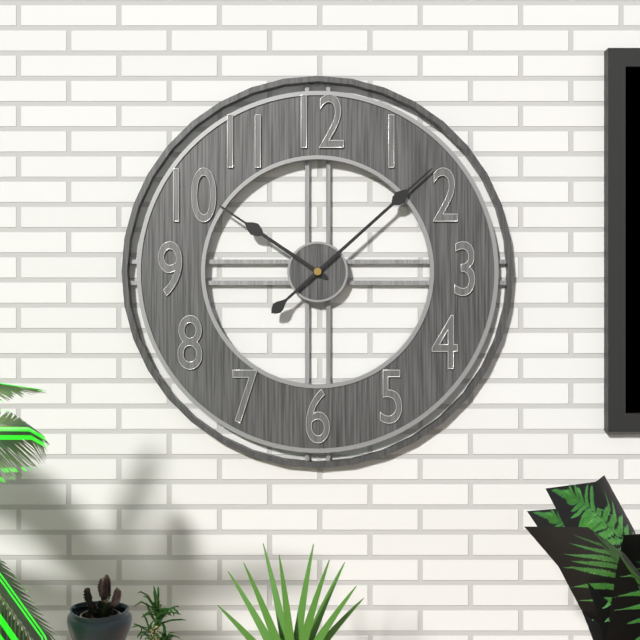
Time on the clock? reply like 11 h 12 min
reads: 10 h 08 min
